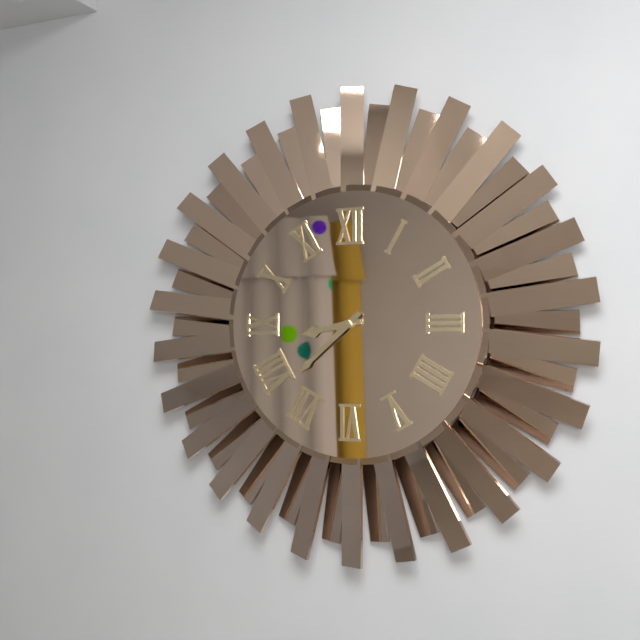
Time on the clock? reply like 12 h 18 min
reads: 8 h 38 min
